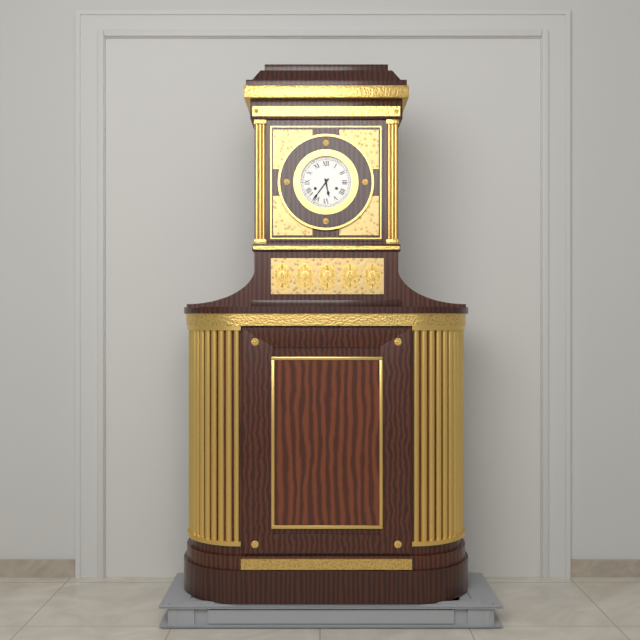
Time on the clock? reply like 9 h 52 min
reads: 5 h 36 min
